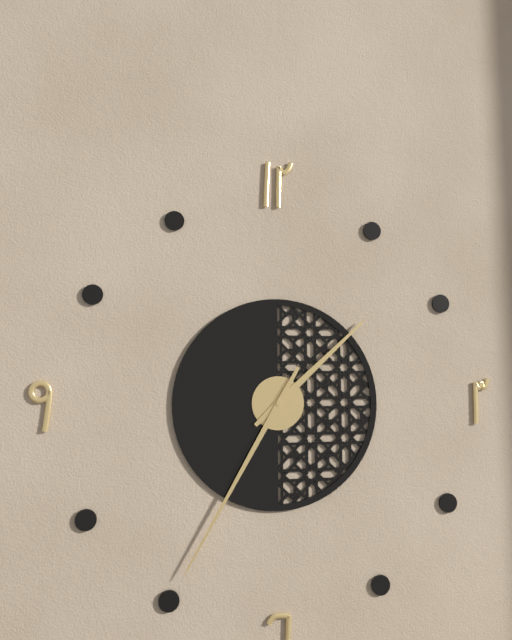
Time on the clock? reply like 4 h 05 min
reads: 1 h 35 min
